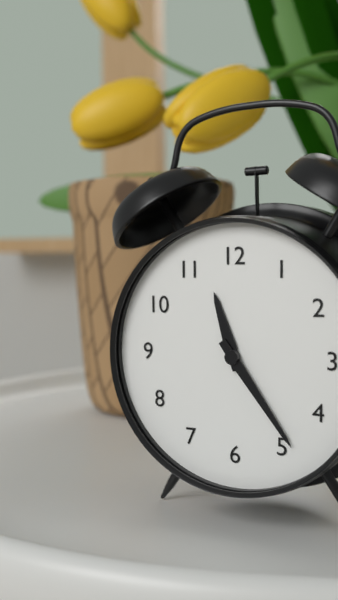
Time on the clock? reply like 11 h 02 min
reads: 11 h 24 min
